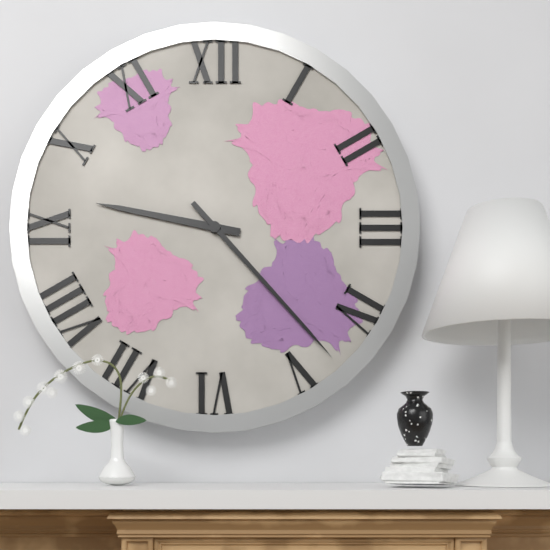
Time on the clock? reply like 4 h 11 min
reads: 9 h 23 min
